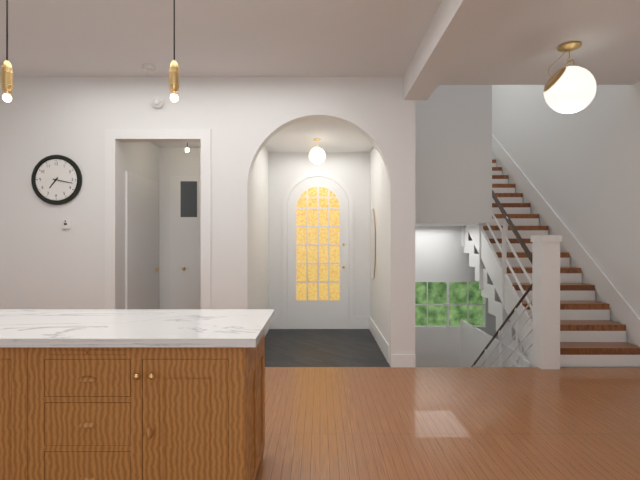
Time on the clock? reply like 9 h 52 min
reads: 7 h 17 min
